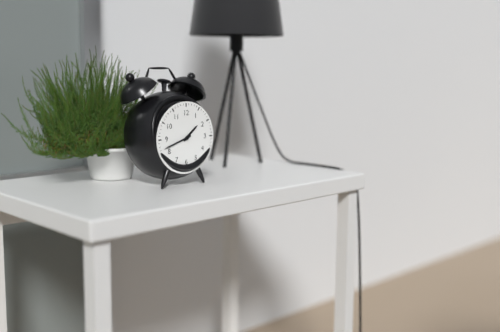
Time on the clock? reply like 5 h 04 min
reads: 1 h 42 min
